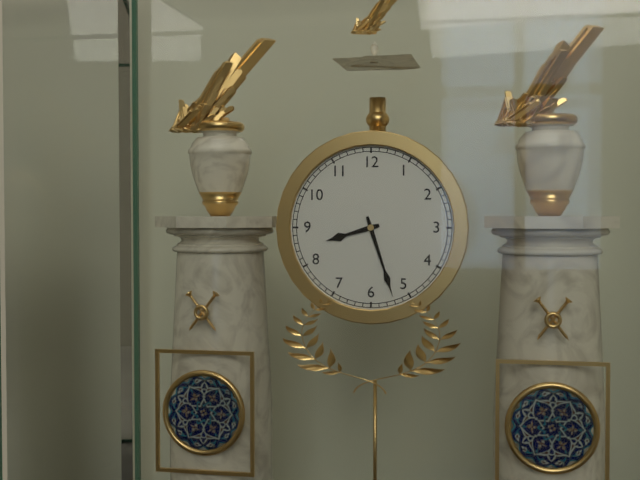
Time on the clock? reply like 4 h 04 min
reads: 8 h 27 min
